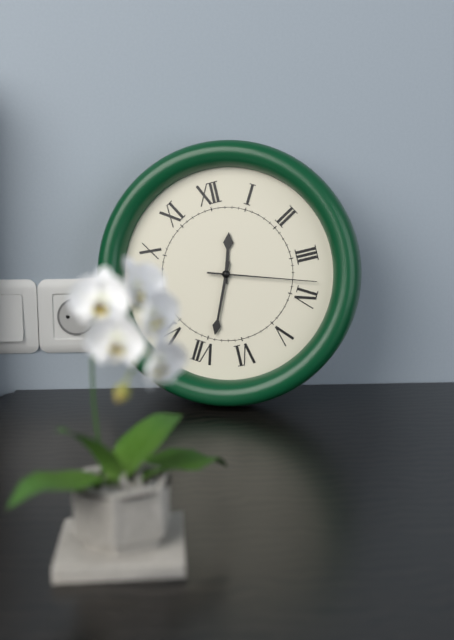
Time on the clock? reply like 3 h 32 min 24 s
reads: 12 h 34 min 18 s
